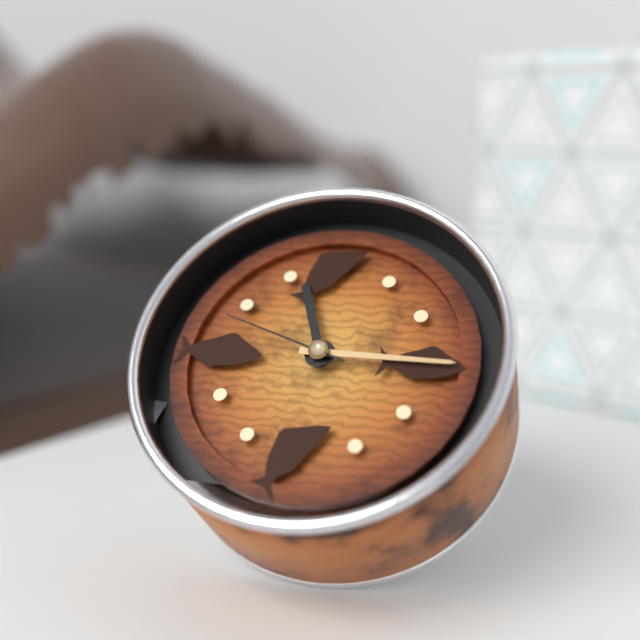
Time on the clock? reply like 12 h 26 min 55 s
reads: 11 h 15 min 48 s
